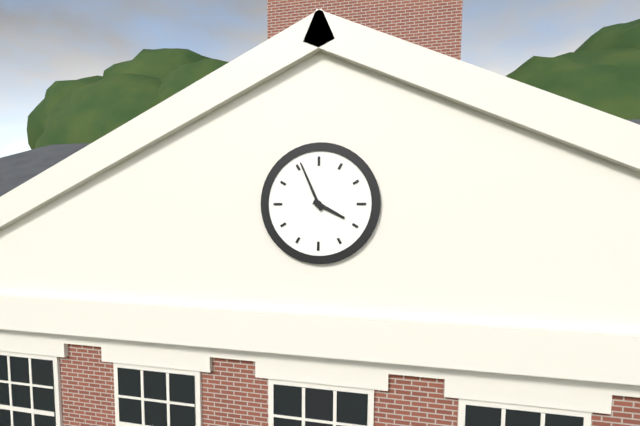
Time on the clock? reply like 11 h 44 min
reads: 3 h 56 min
